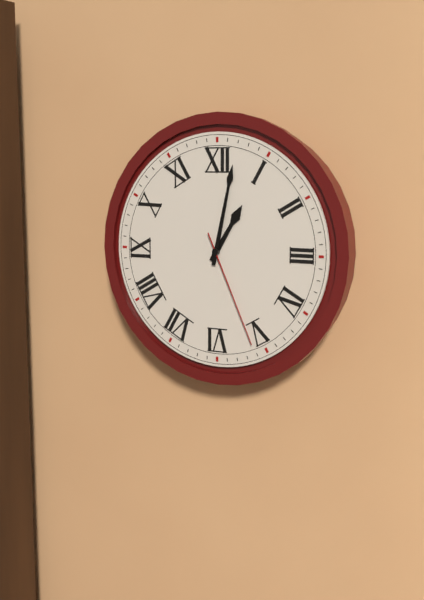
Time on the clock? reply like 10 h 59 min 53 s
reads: 1 h 02 min 26 s
